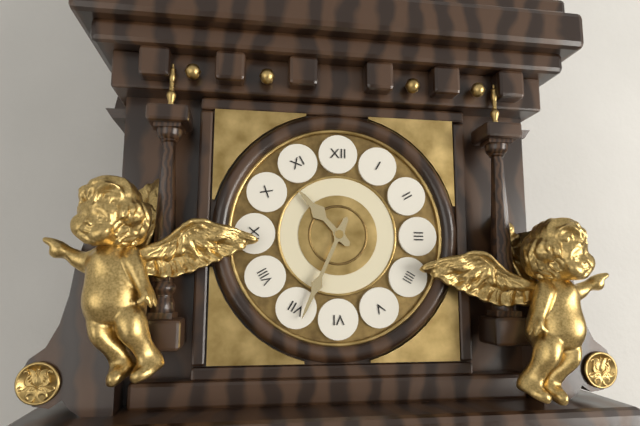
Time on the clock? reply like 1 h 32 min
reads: 10 h 34 min
